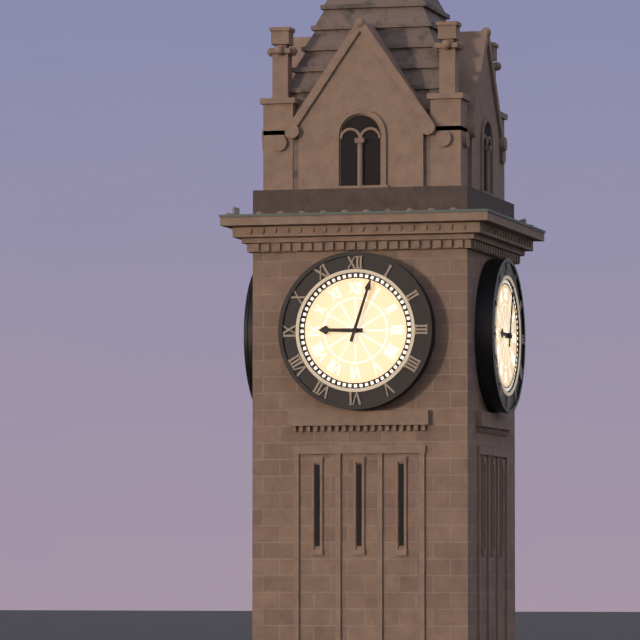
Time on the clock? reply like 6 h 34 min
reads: 9 h 03 min
